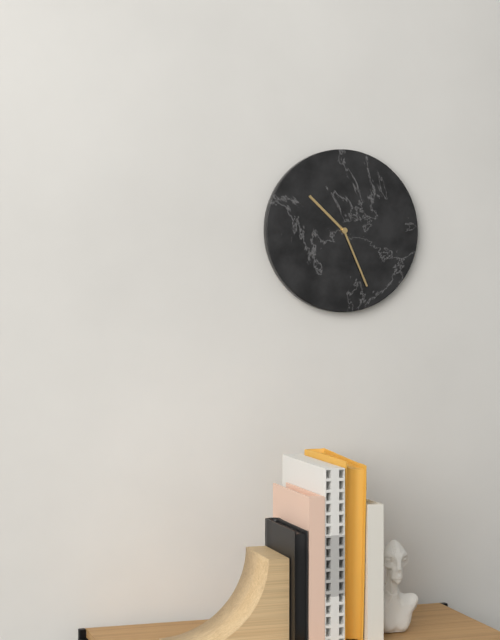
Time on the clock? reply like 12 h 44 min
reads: 10 h 26 min
